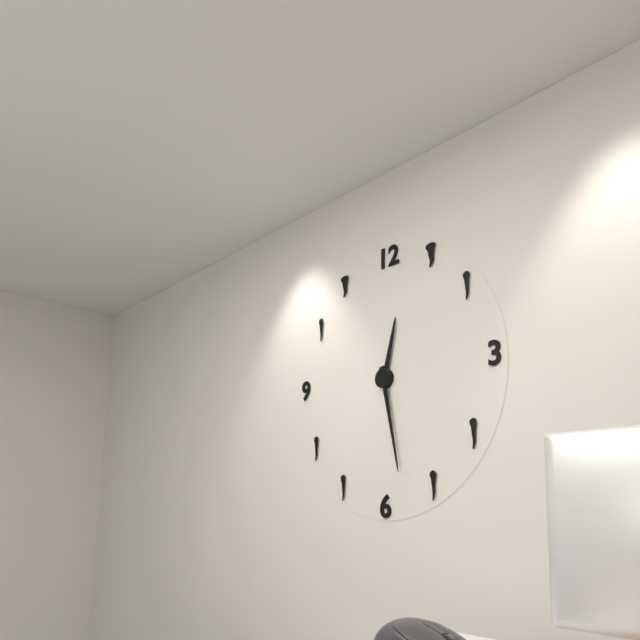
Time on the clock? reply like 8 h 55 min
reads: 12 h 28 min
